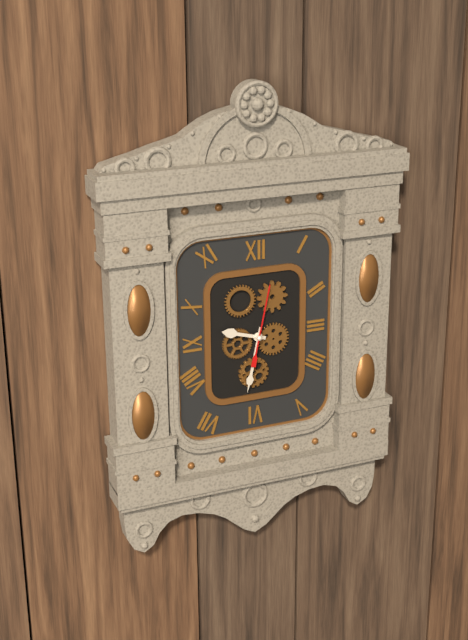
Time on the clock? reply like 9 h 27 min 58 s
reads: 9 h 32 min 02 s
